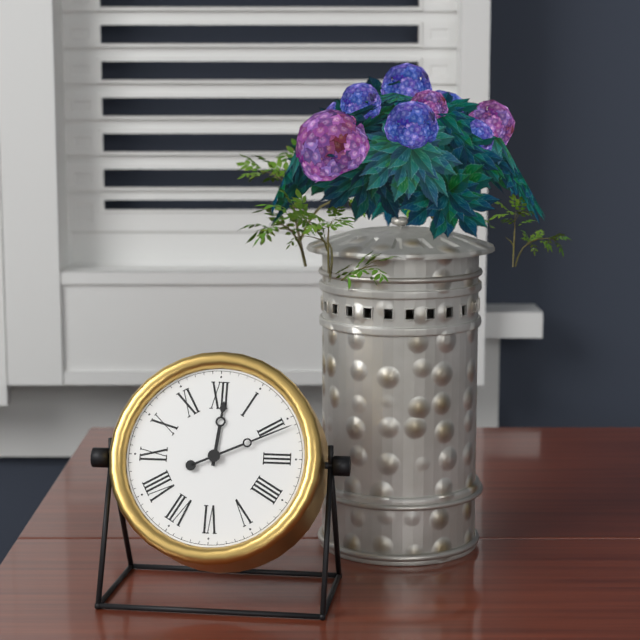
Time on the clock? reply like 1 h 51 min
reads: 12 h 11 min
